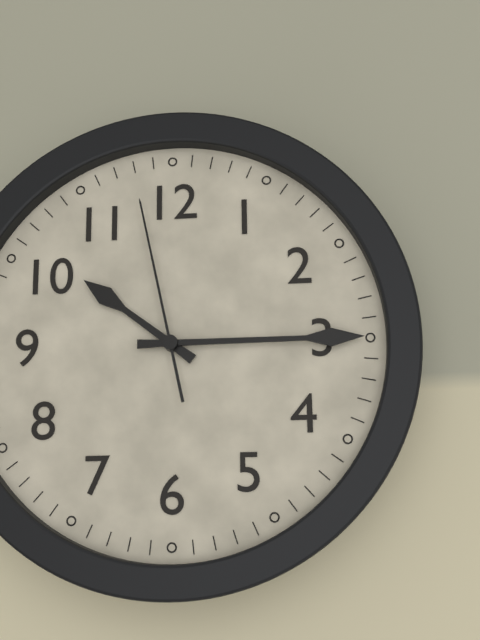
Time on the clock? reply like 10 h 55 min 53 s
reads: 10 h 15 min 58 s
